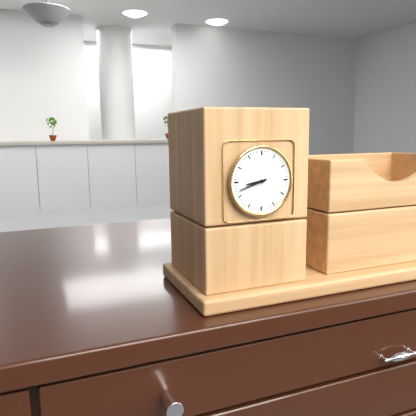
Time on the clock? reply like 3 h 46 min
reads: 8 h 42 min
